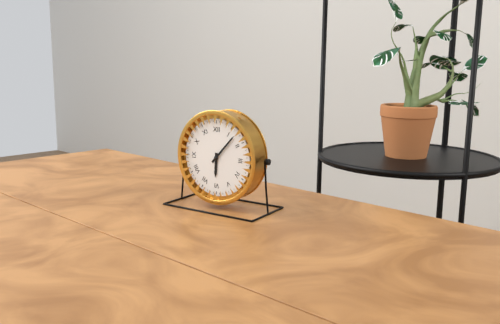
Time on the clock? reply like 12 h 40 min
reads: 6 h 07 min
